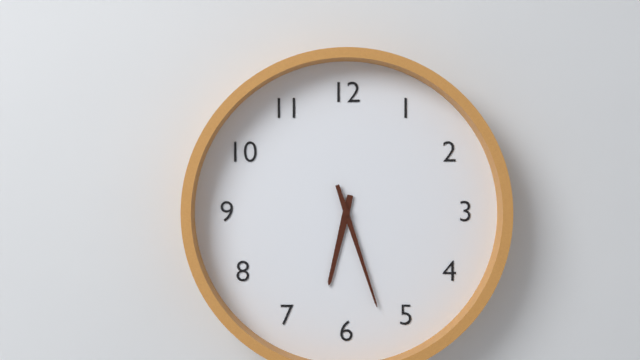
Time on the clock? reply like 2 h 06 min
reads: 6 h 27 min
